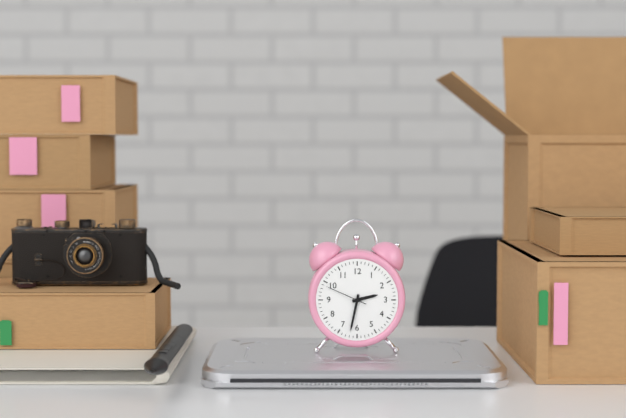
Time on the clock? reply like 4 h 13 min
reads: 2 h 32 min
